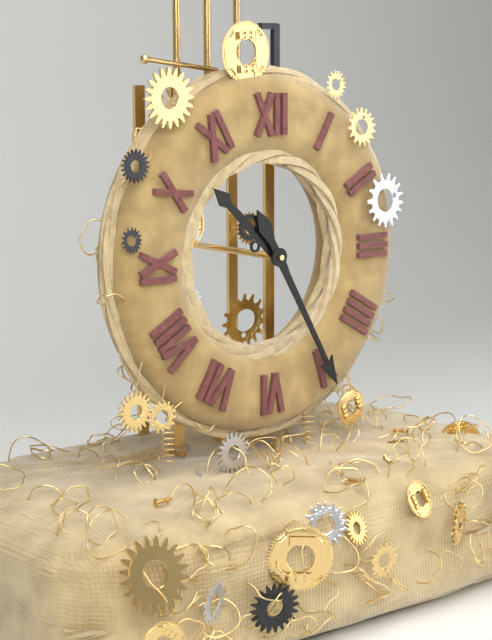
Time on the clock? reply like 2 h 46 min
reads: 10 h 25 min
